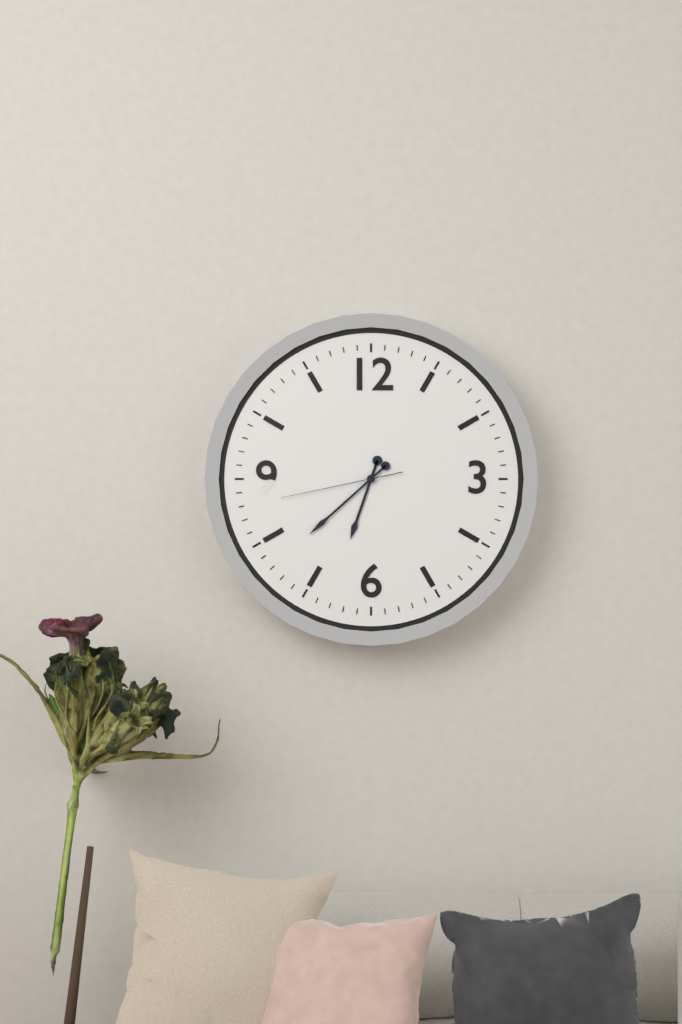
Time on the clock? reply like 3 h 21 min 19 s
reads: 6 h 38 min 43 s
